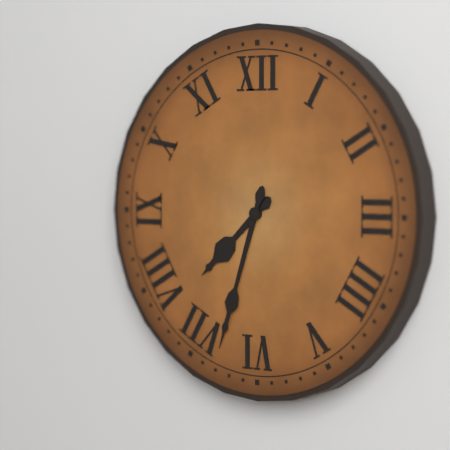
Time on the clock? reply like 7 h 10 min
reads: 7 h 33 min
